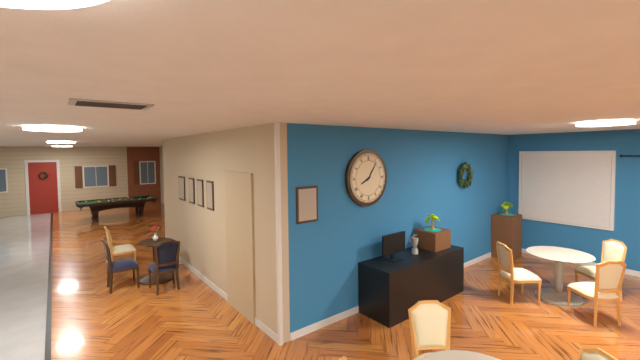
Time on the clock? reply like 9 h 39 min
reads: 8 h 06 min
